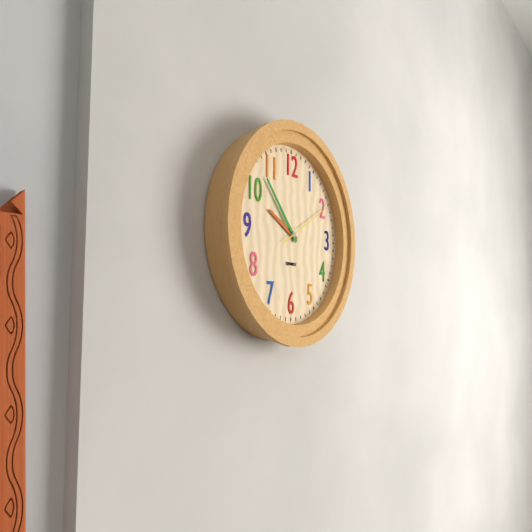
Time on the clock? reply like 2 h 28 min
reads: 9 h 53 min
